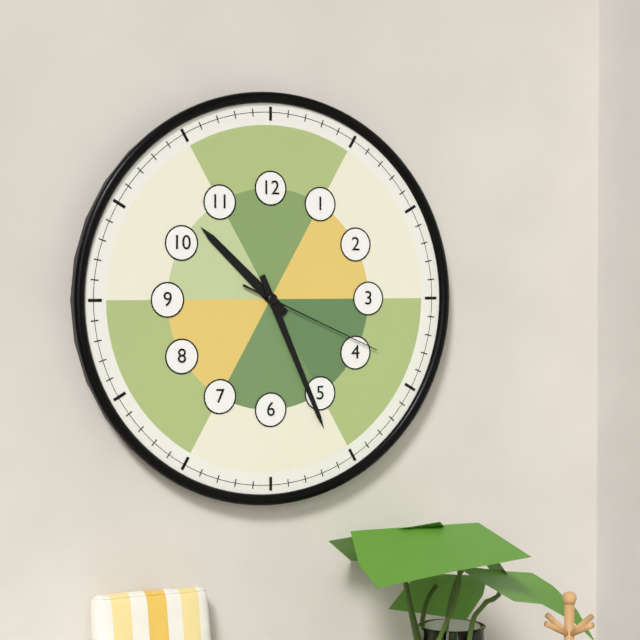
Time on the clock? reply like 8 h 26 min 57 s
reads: 10 h 26 min 19 s
